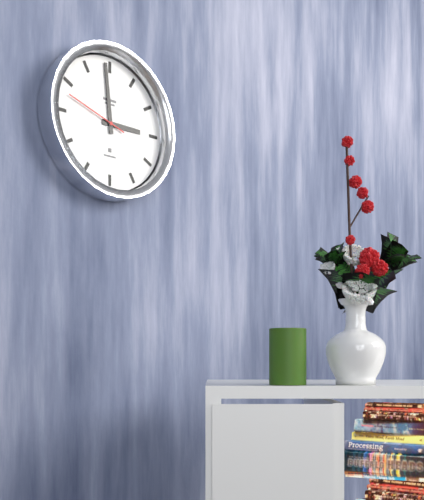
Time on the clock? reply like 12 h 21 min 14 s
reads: 2 h 59 min 48 s
